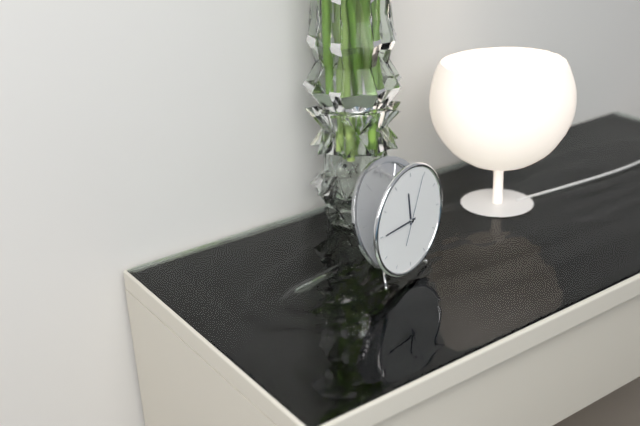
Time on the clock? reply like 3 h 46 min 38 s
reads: 11 h 45 min 04 s
